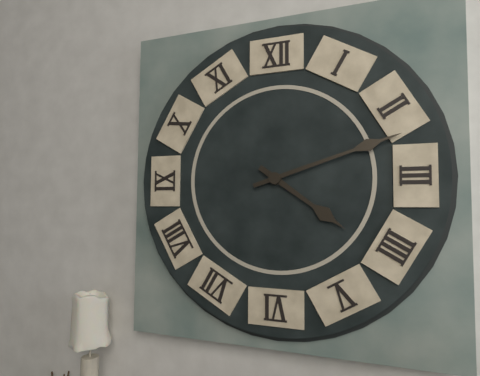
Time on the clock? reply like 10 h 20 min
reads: 4 h 12 min
